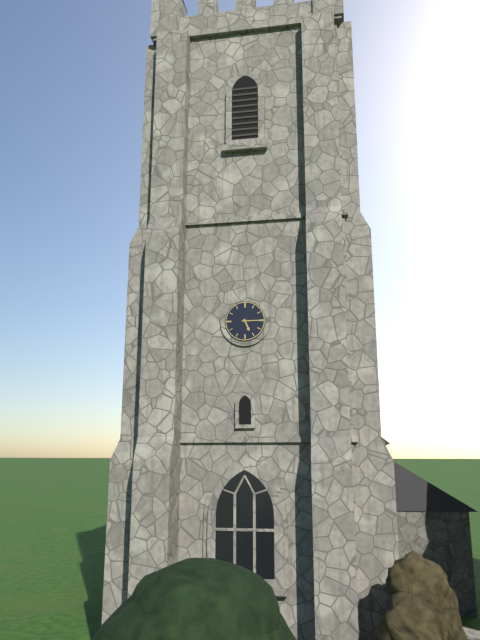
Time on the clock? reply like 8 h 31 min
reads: 5 h 15 min
